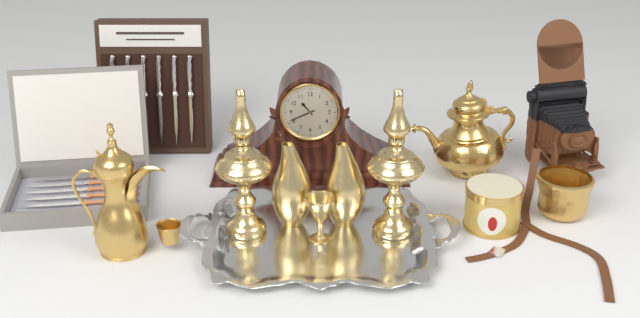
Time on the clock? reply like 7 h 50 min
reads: 10 h 41 min
